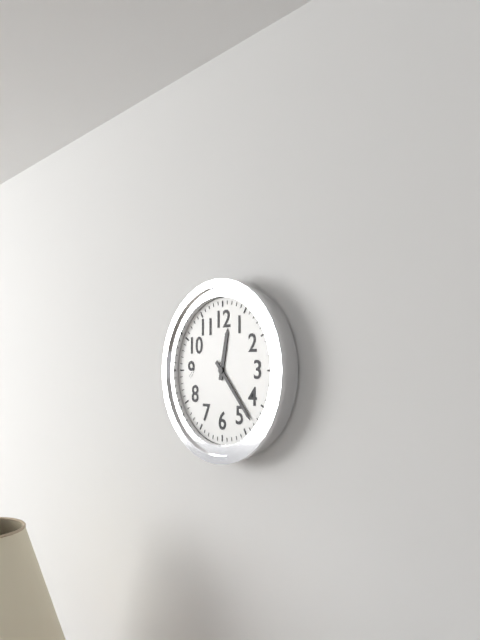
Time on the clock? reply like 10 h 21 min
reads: 12 h 23 min
